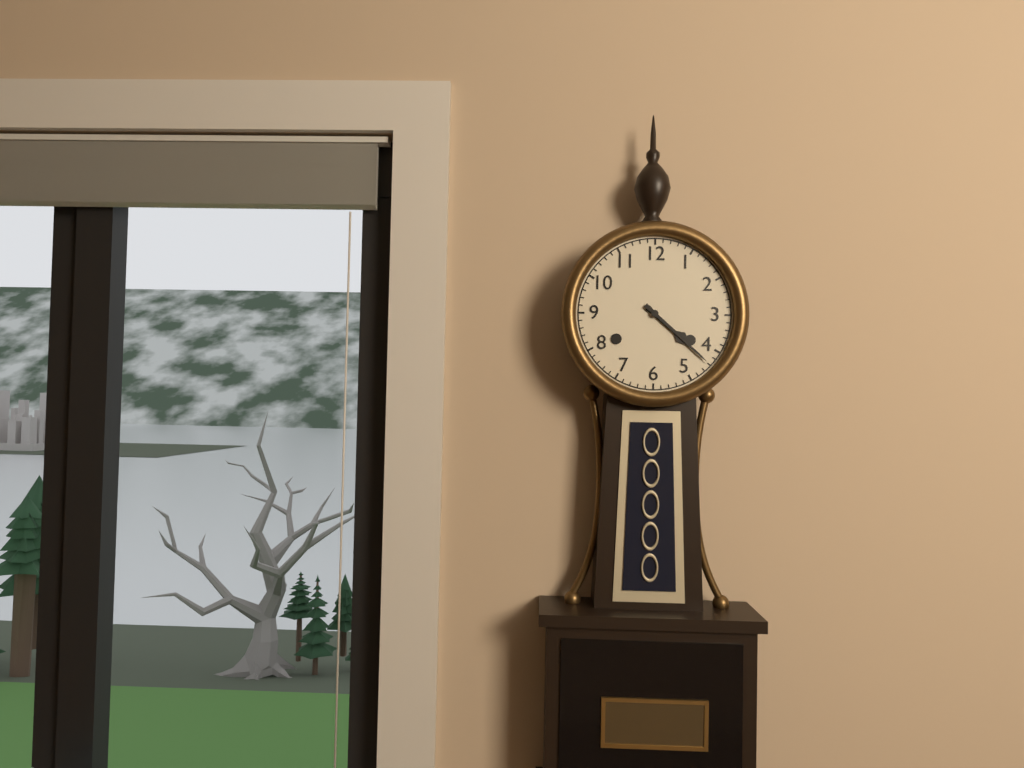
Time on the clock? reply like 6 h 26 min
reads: 4 h 22 min
